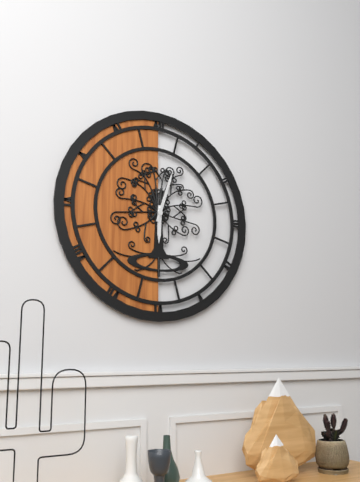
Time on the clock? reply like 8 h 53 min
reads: 6 h 03 min
